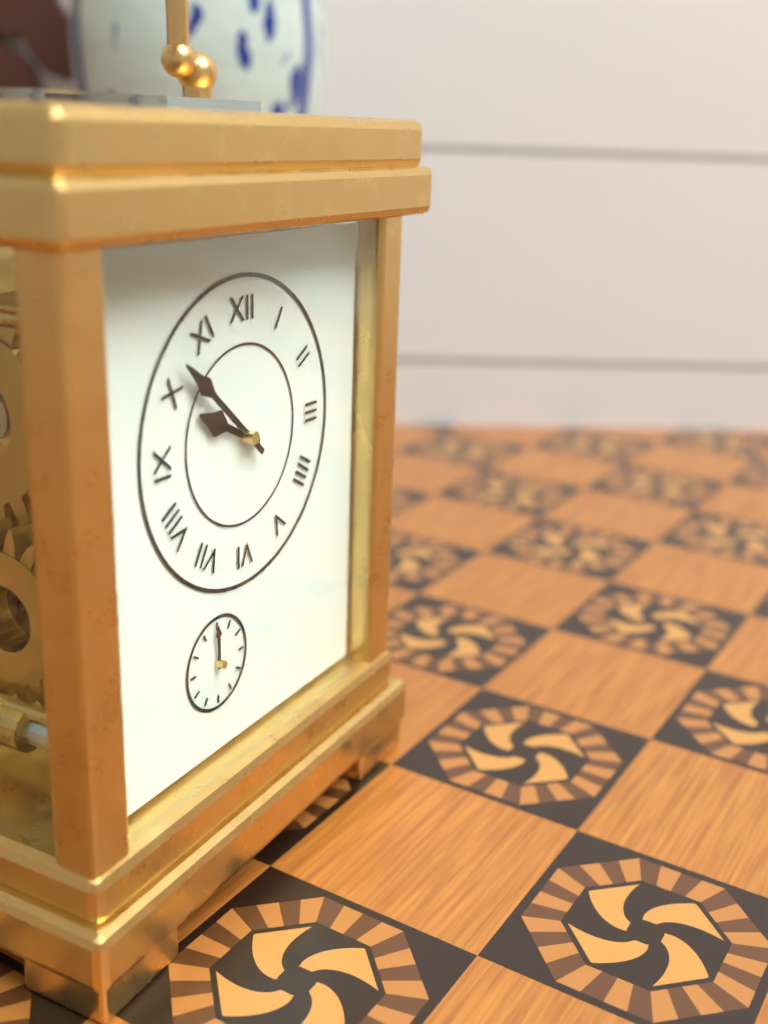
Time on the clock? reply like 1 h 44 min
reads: 9 h 52 min
